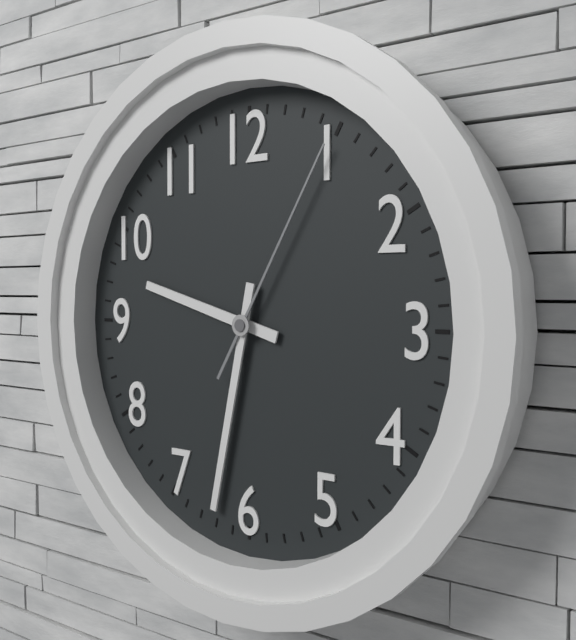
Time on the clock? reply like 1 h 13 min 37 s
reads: 9 h 32 min 05 s
